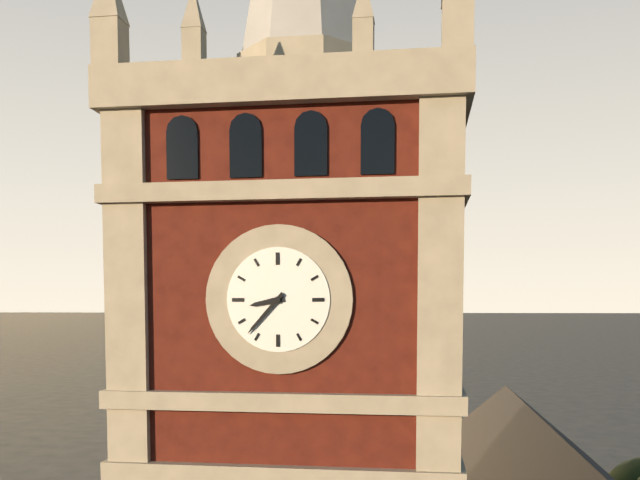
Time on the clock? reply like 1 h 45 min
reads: 8 h 37 min
